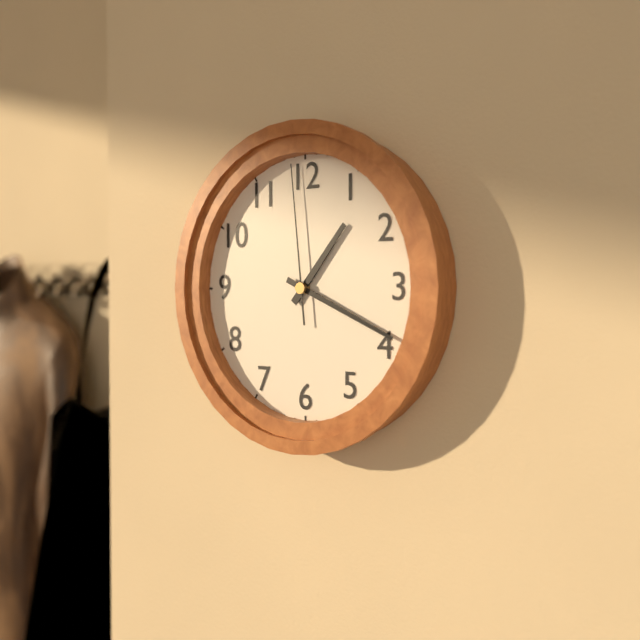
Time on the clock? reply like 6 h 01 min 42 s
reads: 1 h 19 min 59 s
